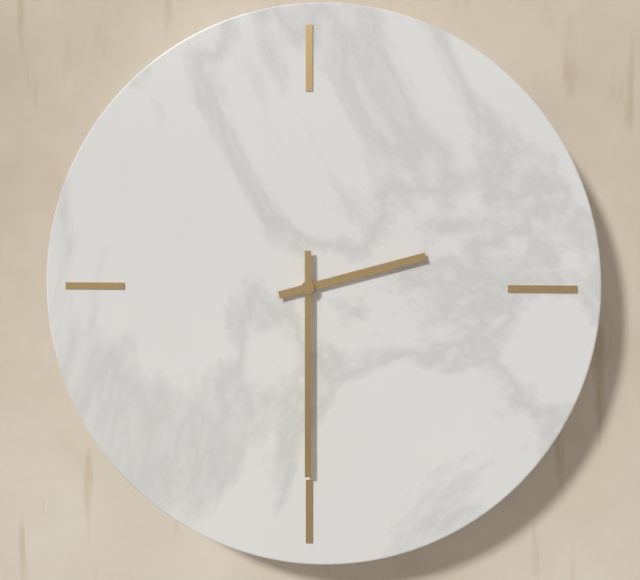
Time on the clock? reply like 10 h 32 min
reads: 2 h 30 min
